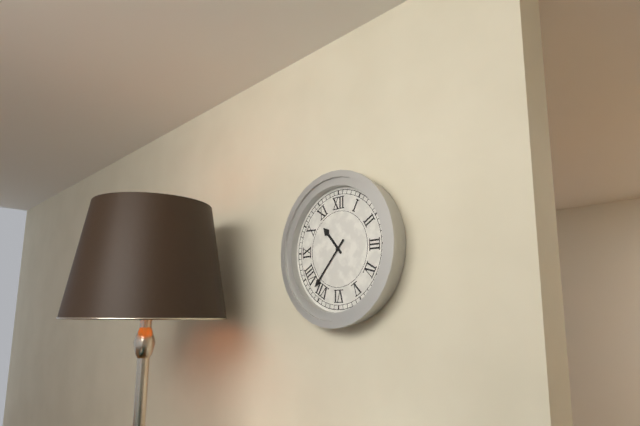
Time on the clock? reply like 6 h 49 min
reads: 10 h 37 min
